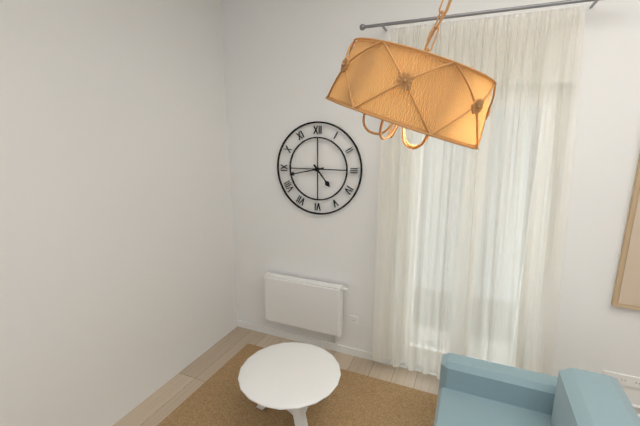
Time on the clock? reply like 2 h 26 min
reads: 4 h 43 min
